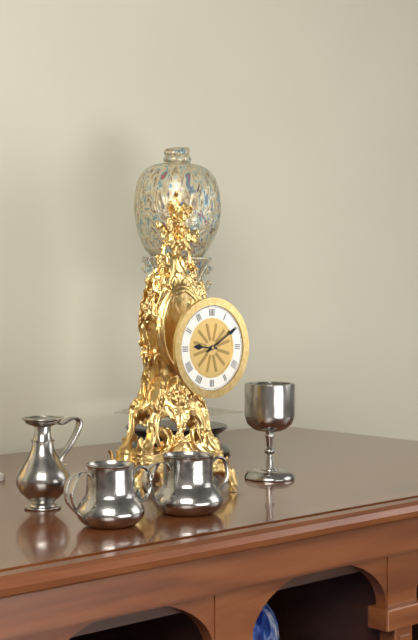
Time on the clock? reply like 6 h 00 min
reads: 9 h 10 min
